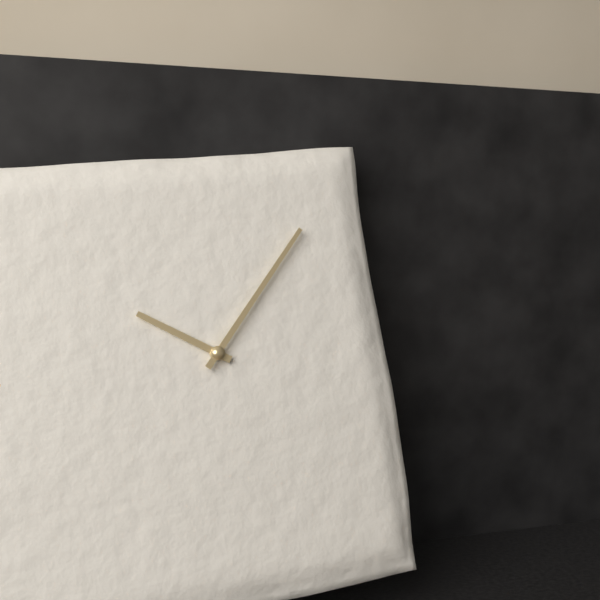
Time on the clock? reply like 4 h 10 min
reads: 10 h 07 min
